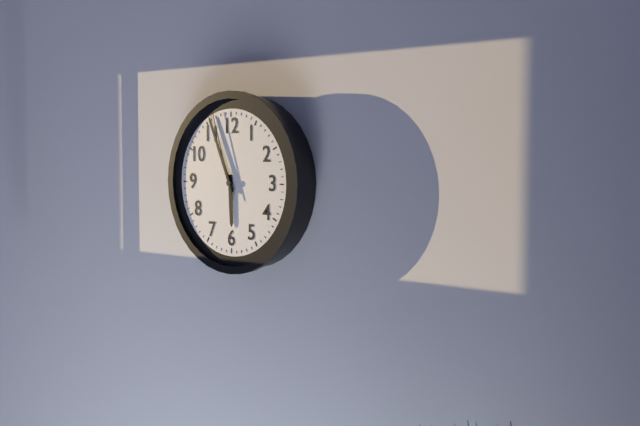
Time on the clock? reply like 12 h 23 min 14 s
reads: 5 h 56 min 57 s
